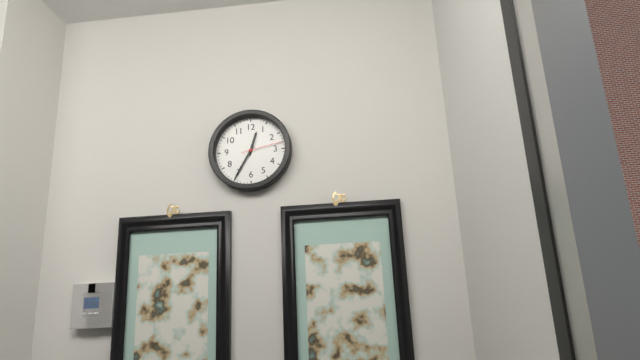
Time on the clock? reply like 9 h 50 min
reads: 12 h 35 min
